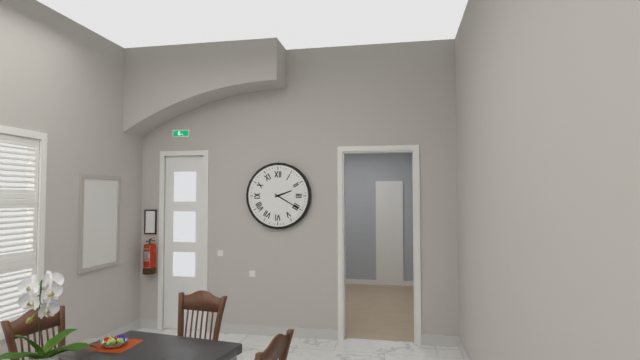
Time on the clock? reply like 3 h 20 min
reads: 2 h 20 min
